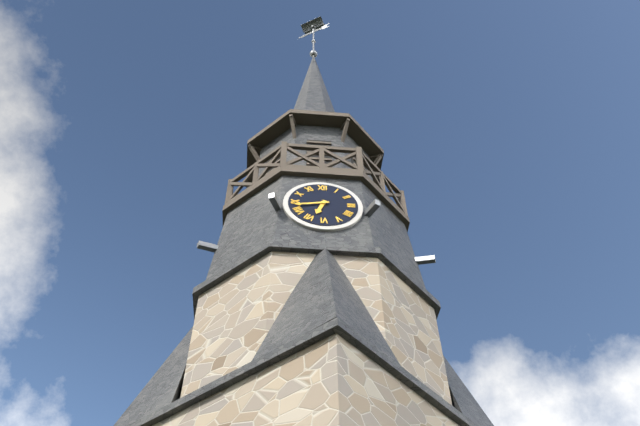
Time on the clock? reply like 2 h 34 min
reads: 6 h 43 min
